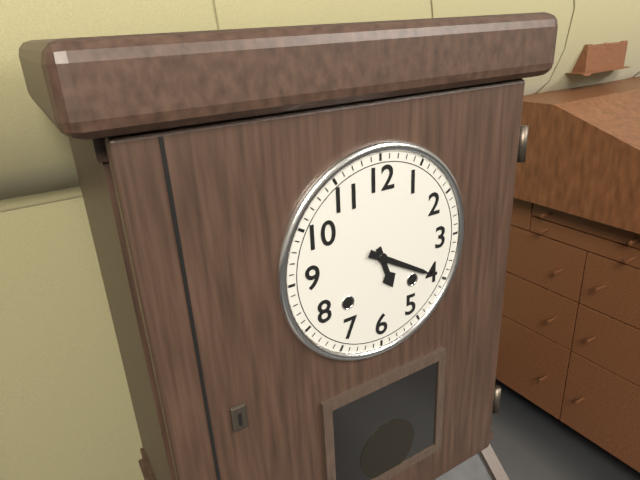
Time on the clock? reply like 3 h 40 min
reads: 5 h 20 min
